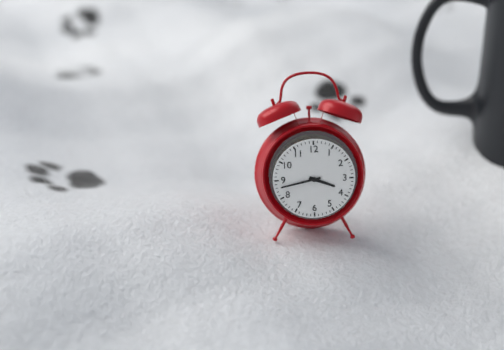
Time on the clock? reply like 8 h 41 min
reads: 3 h 43 min
